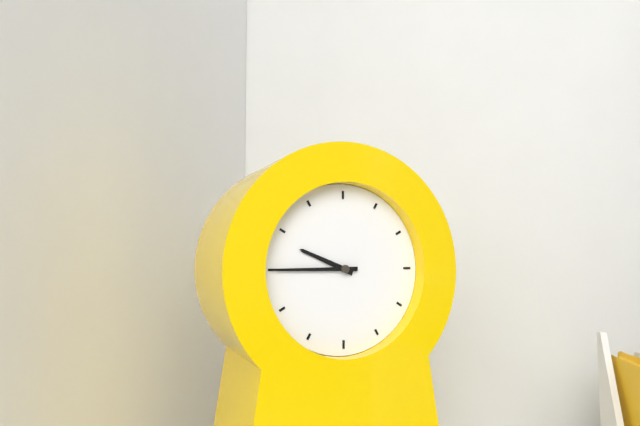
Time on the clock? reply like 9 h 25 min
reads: 9 h 45 min
